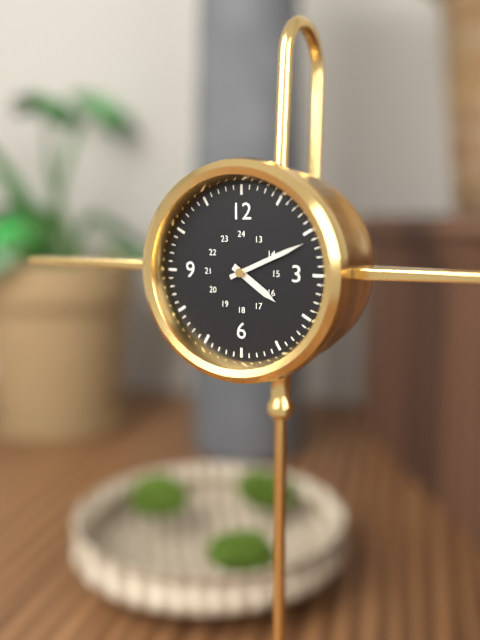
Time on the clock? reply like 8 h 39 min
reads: 4 h 11 min
